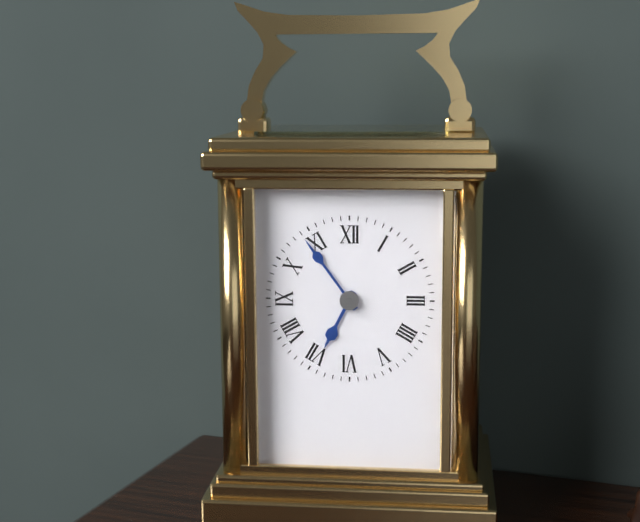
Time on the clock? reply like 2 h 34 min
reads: 6 h 54 min
